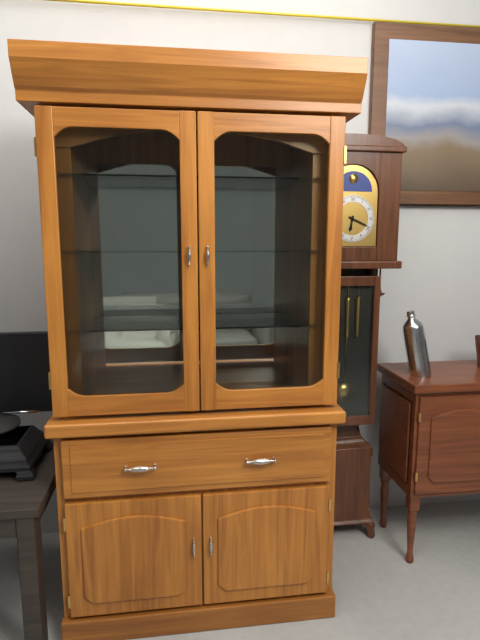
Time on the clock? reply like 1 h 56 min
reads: 6 h 19 min
